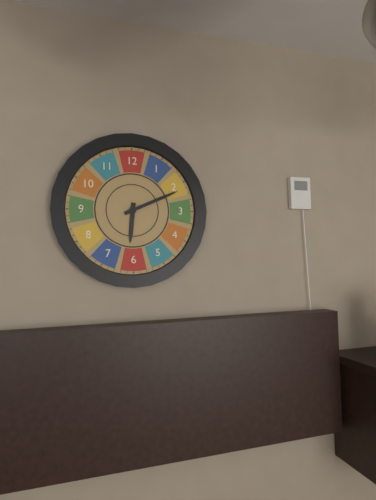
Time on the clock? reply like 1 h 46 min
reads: 6 h 11 min
